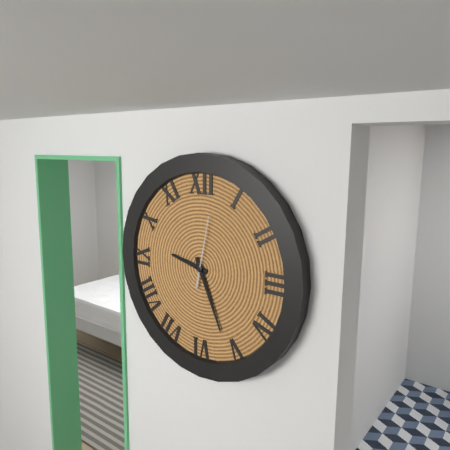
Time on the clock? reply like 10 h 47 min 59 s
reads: 9 h 26 min 02 s
